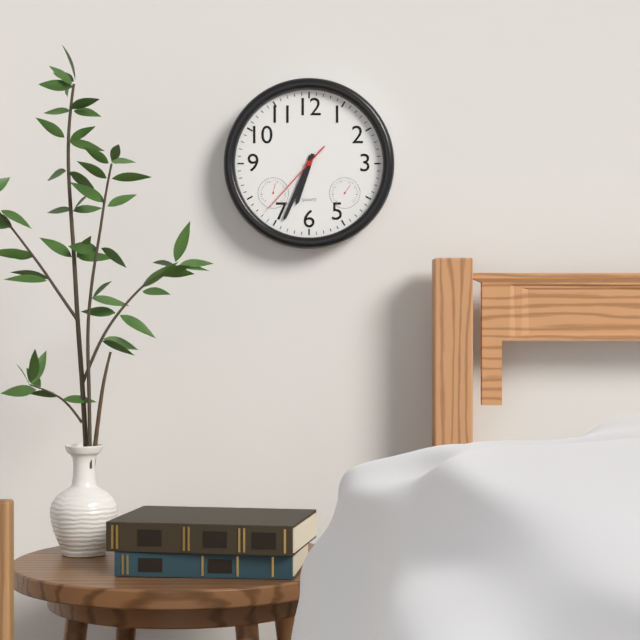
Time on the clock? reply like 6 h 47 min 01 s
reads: 6 h 34 min 37 s
